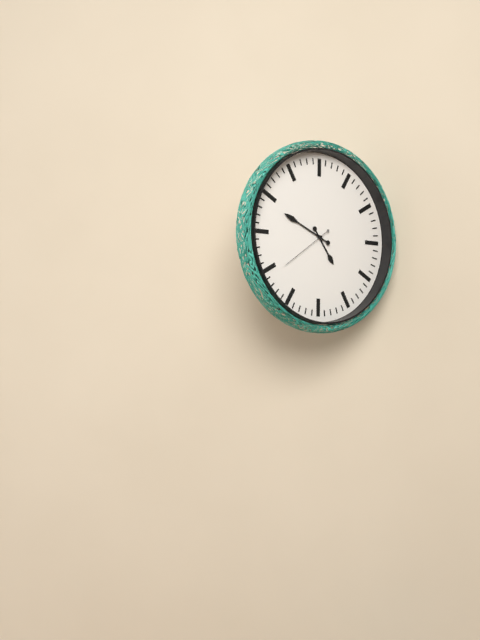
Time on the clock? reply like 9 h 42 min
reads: 4 h 49 min
